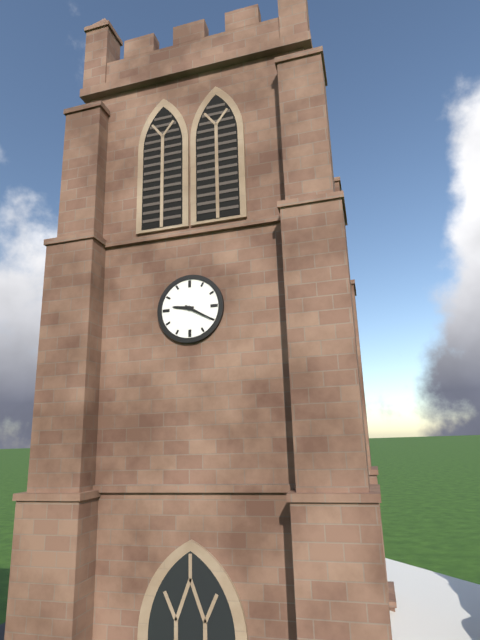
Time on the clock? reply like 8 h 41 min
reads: 9 h 20 min
